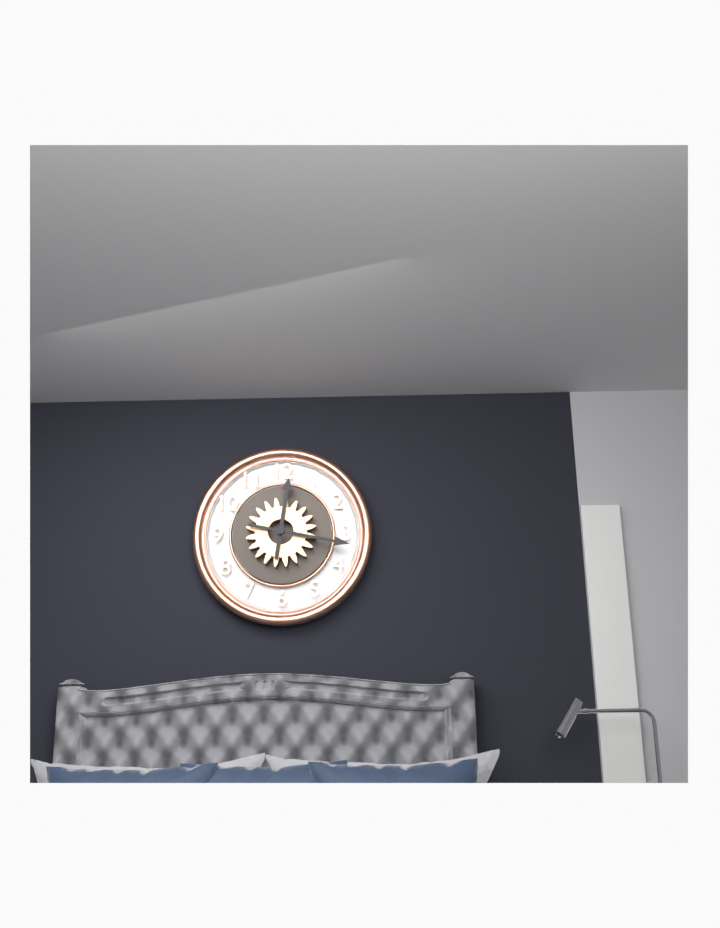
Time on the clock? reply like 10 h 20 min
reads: 12 h 17 min
